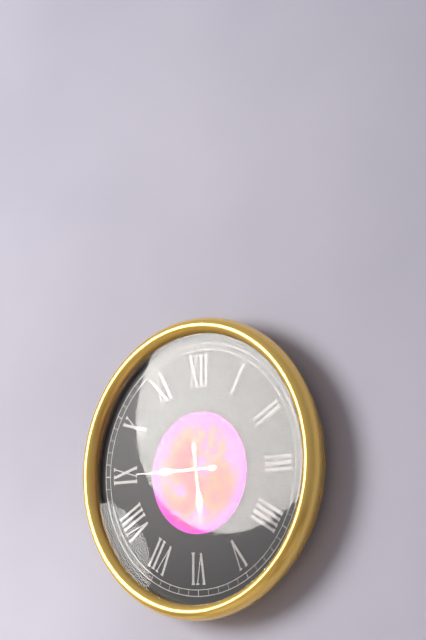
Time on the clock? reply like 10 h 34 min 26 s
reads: 5 h 45 min 29 s
